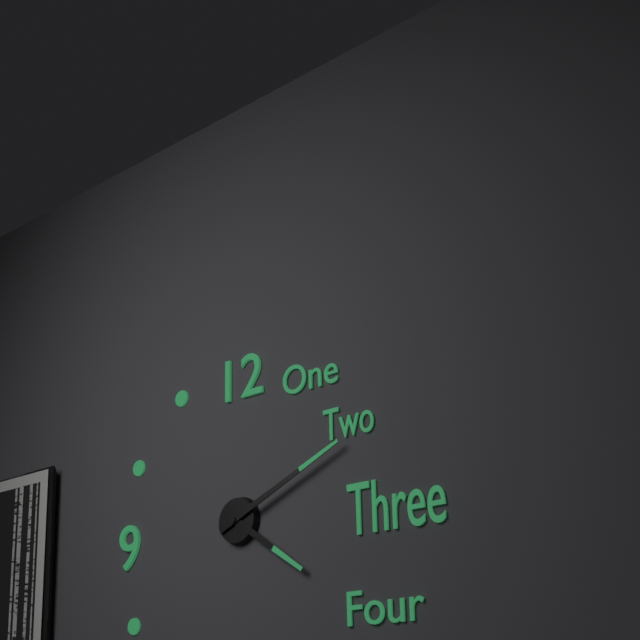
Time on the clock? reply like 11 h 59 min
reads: 4 h 11 min
